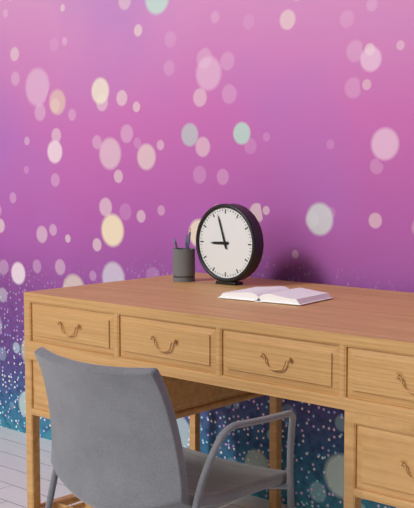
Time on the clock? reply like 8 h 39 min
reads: 8 h 57 min
